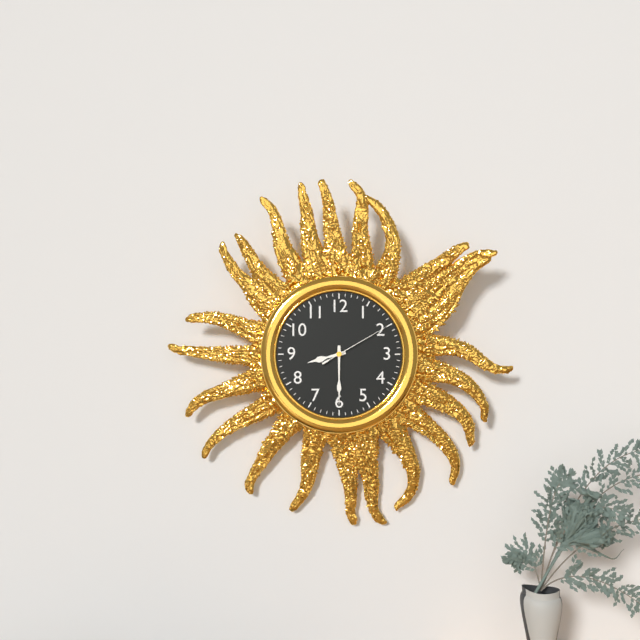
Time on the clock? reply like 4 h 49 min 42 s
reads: 8 h 30 min 10 s
